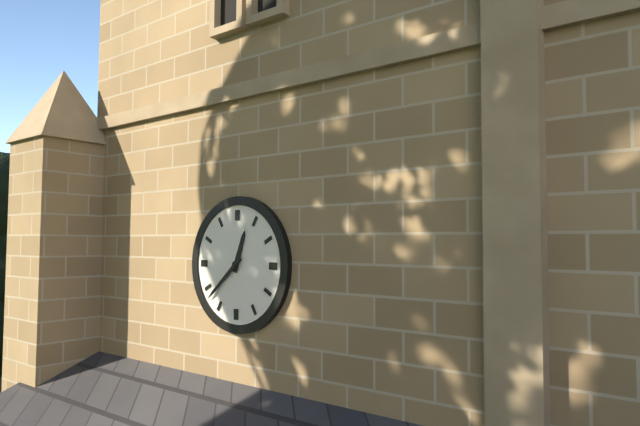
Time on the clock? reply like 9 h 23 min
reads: 12 h 38 min
